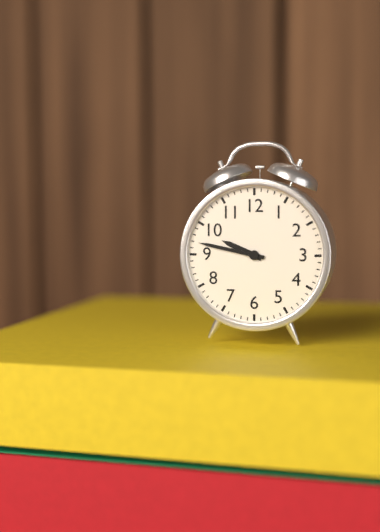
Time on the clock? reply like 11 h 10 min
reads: 9 h 47 min
